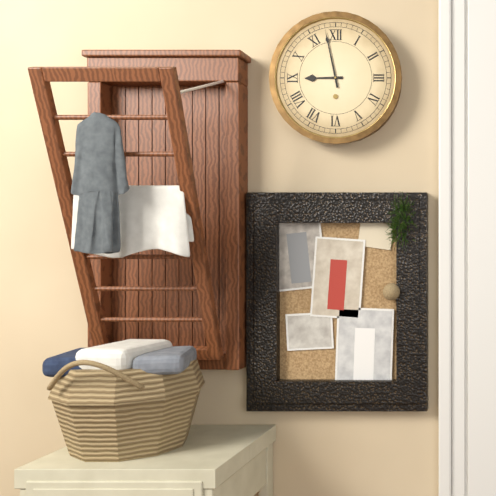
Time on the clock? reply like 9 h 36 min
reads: 8 h 58 min
